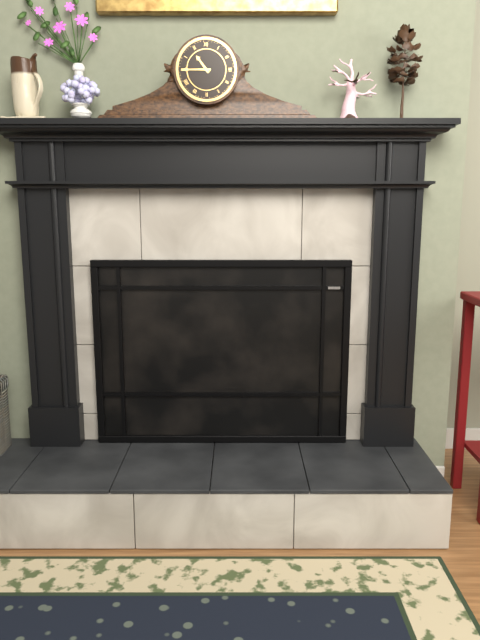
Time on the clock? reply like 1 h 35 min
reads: 10 h 45 min
